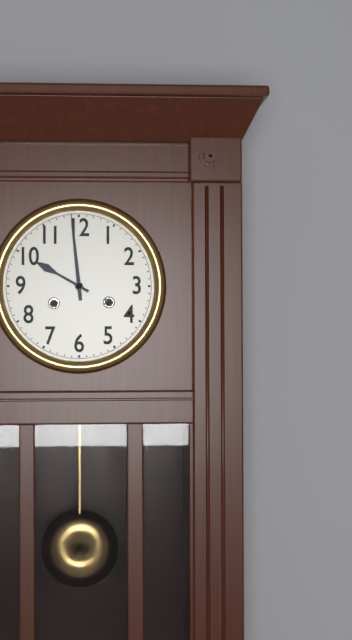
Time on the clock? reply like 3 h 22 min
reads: 9 h 59 min
